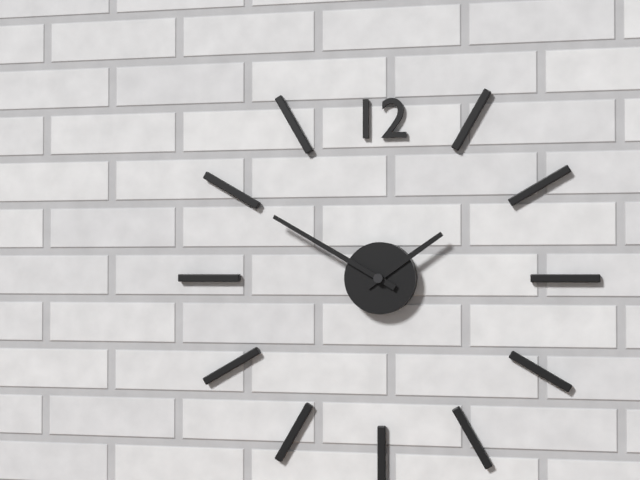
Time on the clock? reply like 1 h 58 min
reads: 1 h 50 min
